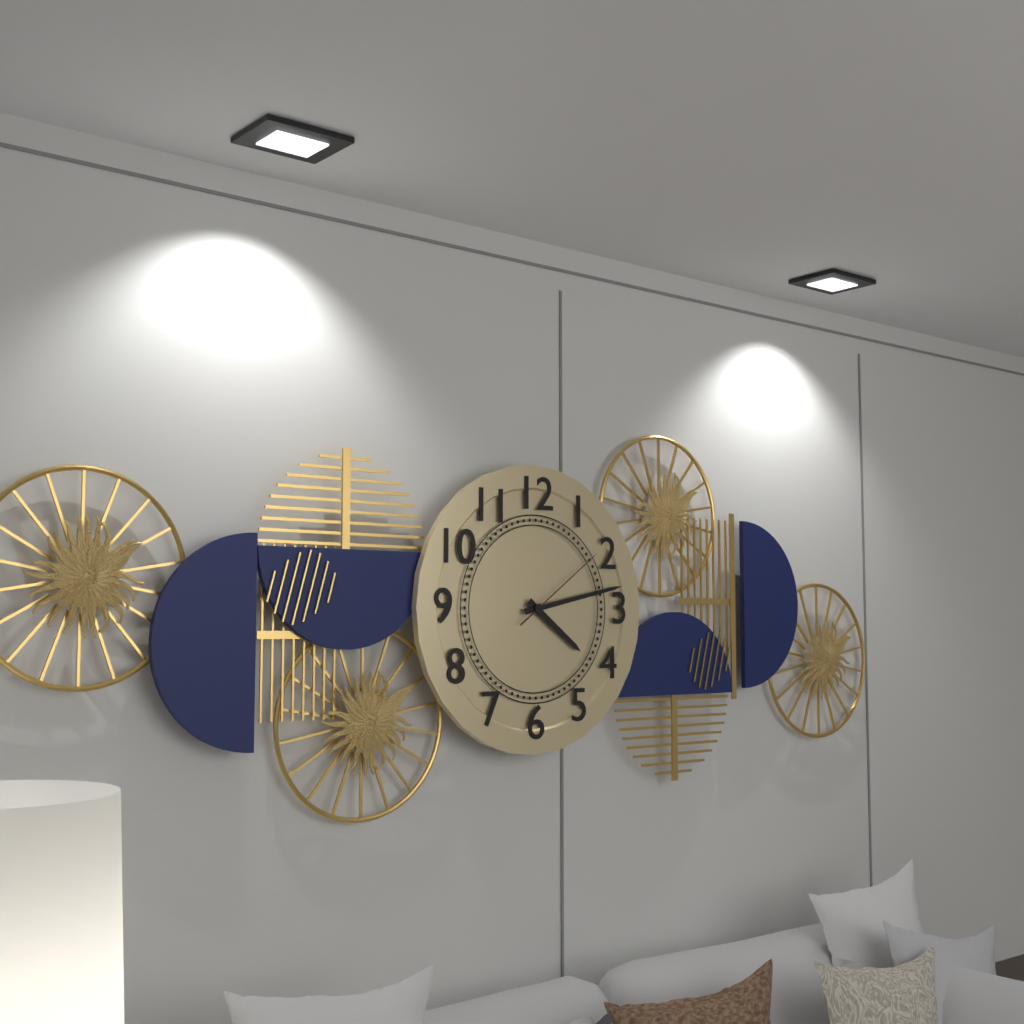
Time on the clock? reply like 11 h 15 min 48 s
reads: 4 h 13 min 09 s
